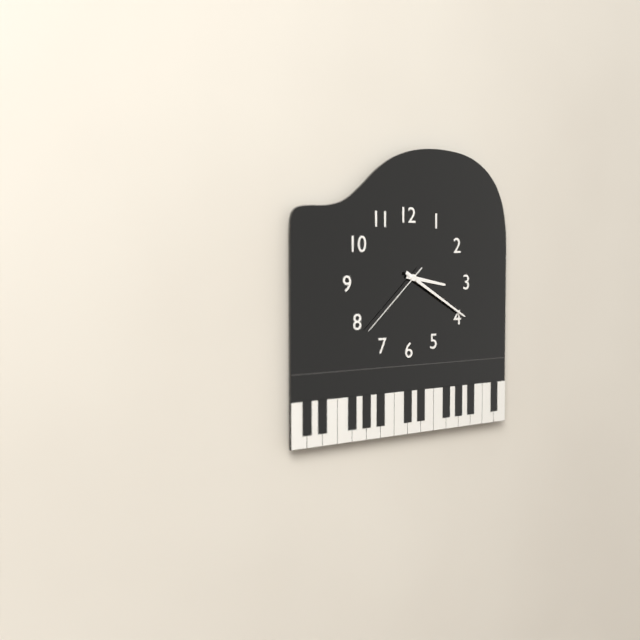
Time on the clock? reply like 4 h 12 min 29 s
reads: 3 h 20 min 38 s
